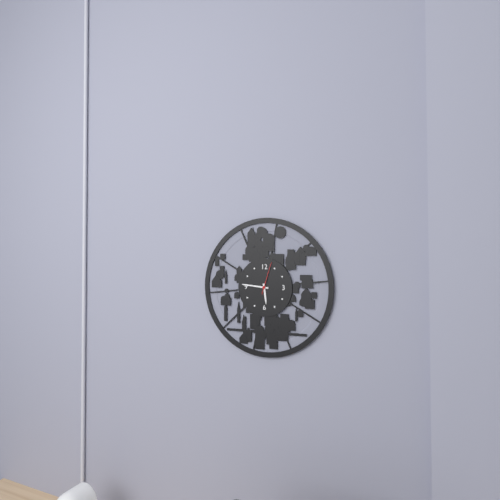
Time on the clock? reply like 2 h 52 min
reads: 5 h 46 min
